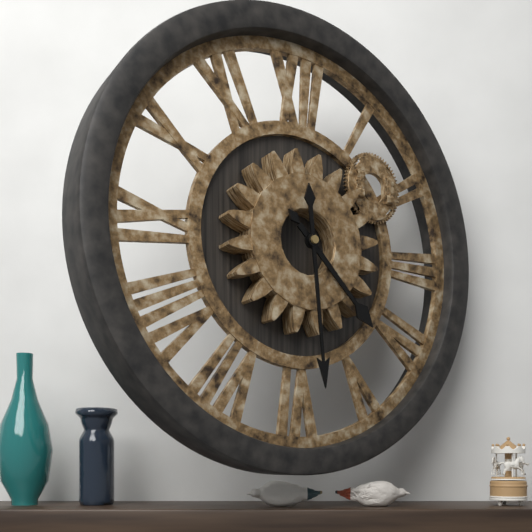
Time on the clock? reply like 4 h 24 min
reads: 4 h 29 min
